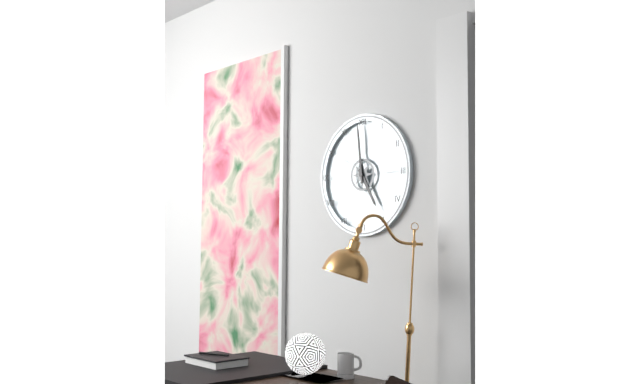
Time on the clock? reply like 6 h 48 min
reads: 4 h 59 min
